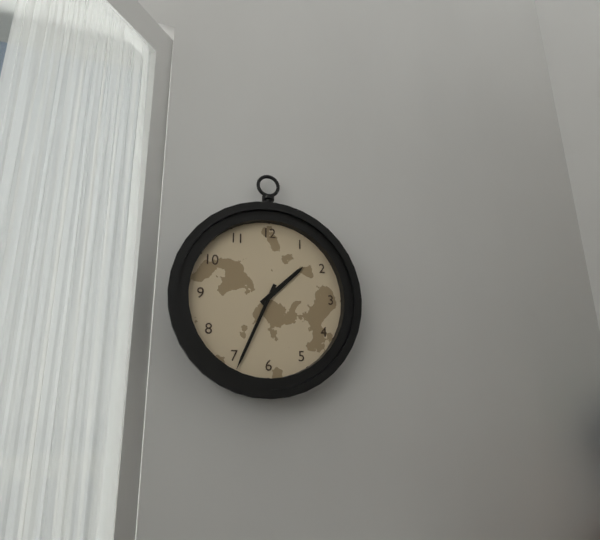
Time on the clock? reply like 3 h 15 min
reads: 1 h 34 min
